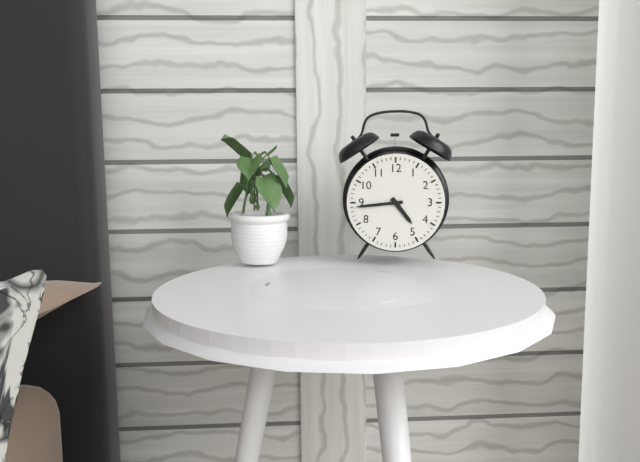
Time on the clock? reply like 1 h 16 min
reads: 4 h 44 min
